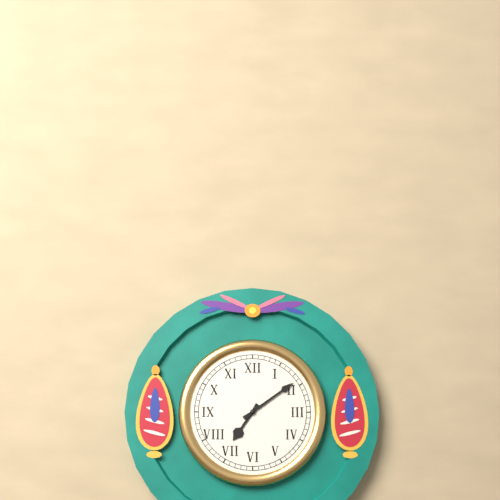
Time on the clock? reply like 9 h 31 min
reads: 7 h 09 min
